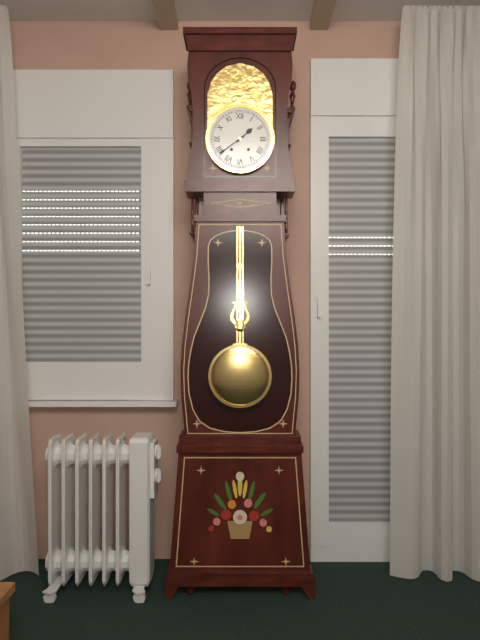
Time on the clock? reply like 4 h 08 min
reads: 1 h 39 min
